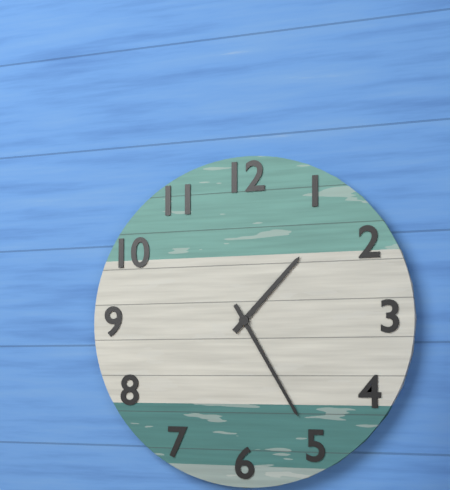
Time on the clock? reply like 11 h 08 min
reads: 1 h 25 min
